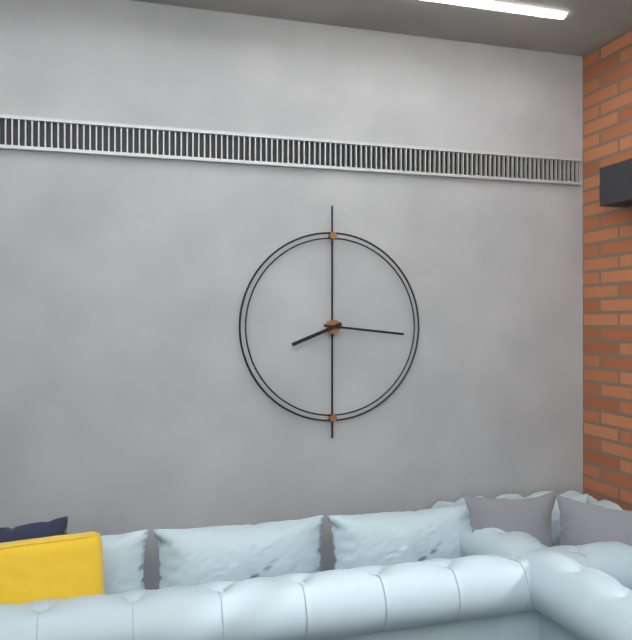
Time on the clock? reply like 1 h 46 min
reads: 8 h 16 min
